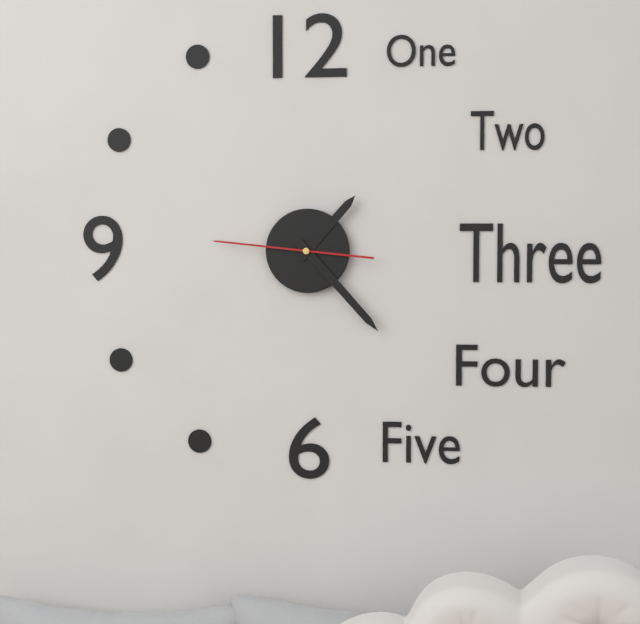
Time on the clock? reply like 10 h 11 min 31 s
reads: 1 h 23 min 46 s
